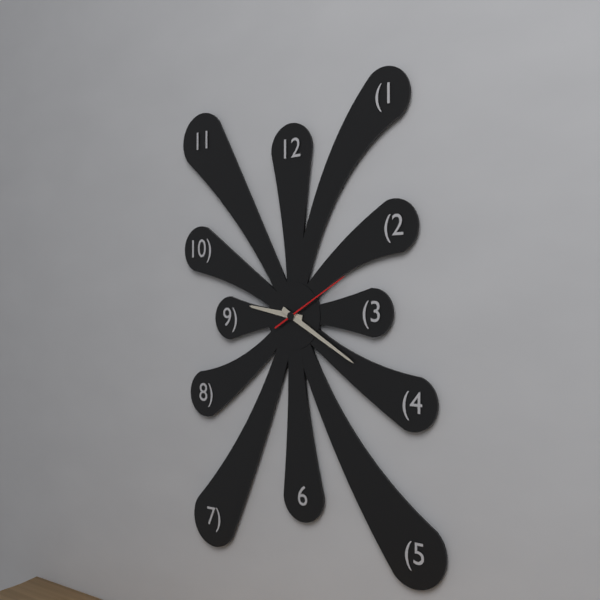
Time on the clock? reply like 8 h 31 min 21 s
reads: 9 h 20 min 10 s
